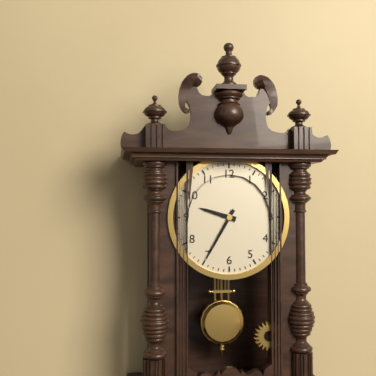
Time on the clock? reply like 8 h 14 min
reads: 9 h 35 min
